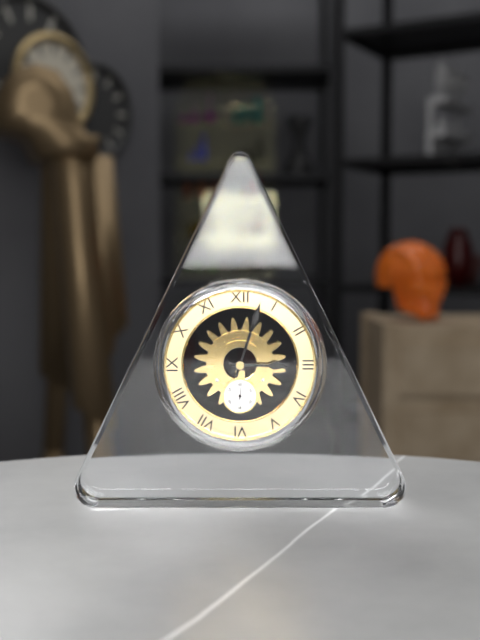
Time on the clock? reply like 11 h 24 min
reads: 3 h 03 min
